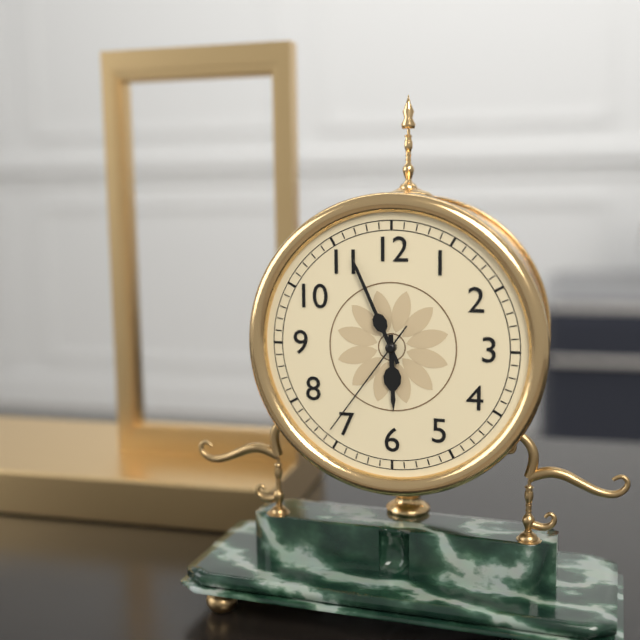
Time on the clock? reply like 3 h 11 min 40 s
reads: 5 h 56 min 36 s
